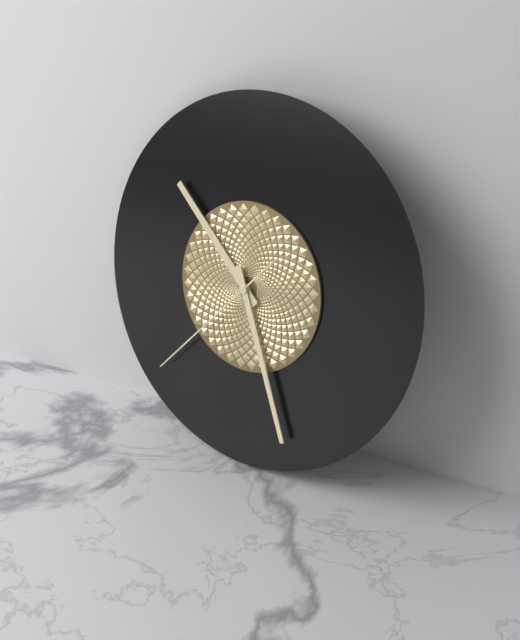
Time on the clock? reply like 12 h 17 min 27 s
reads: 10 h 26 min 37 s
